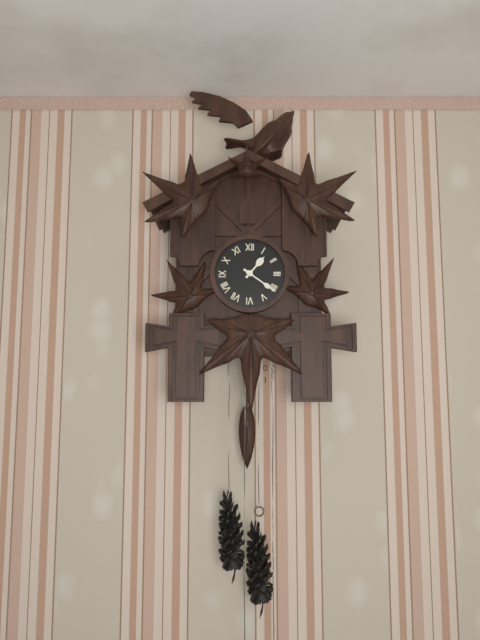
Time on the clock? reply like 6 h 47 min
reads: 1 h 21 min
